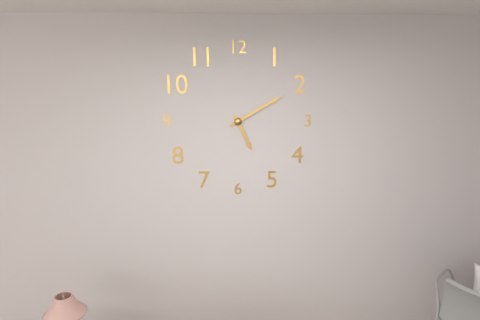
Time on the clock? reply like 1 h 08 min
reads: 5 h 10 min
